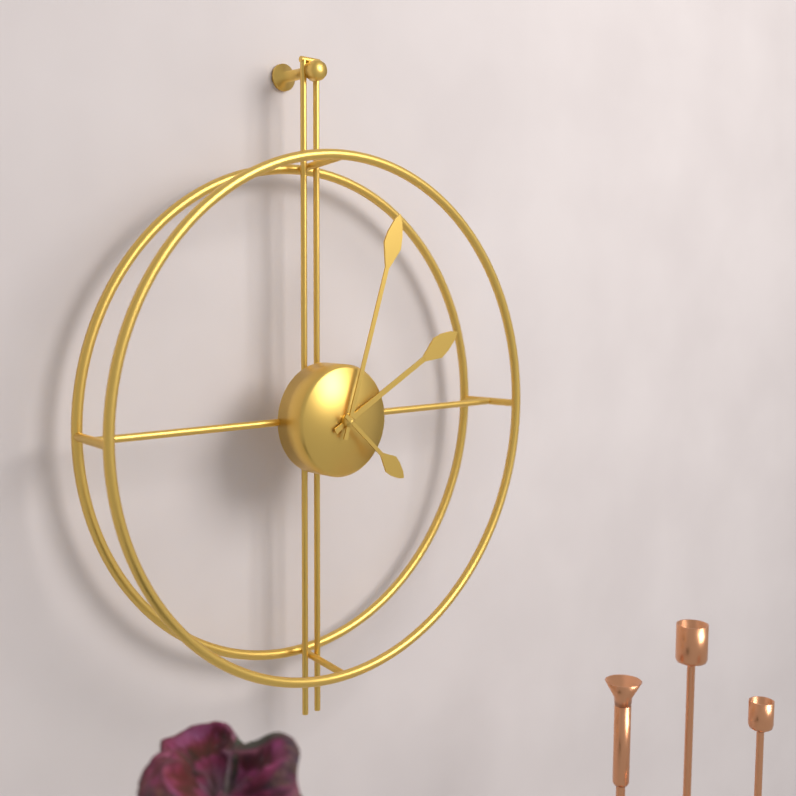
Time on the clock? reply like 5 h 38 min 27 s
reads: 2 h 03 min 22 s
